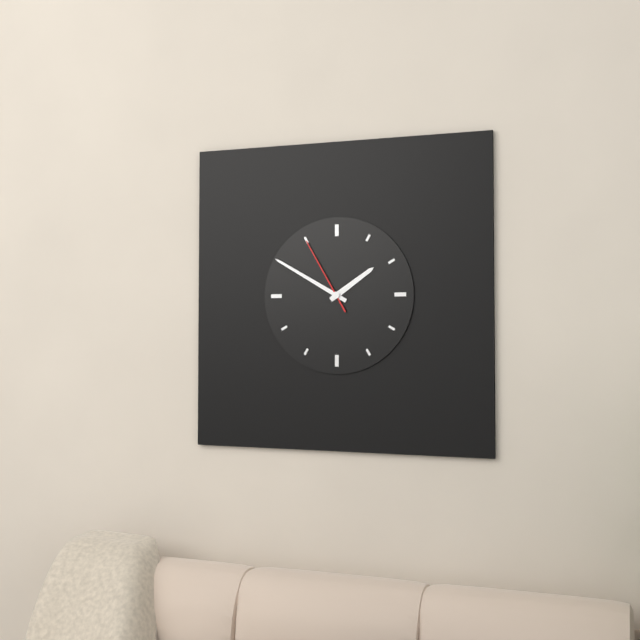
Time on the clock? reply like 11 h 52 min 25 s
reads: 1 h 50 min 55 s
